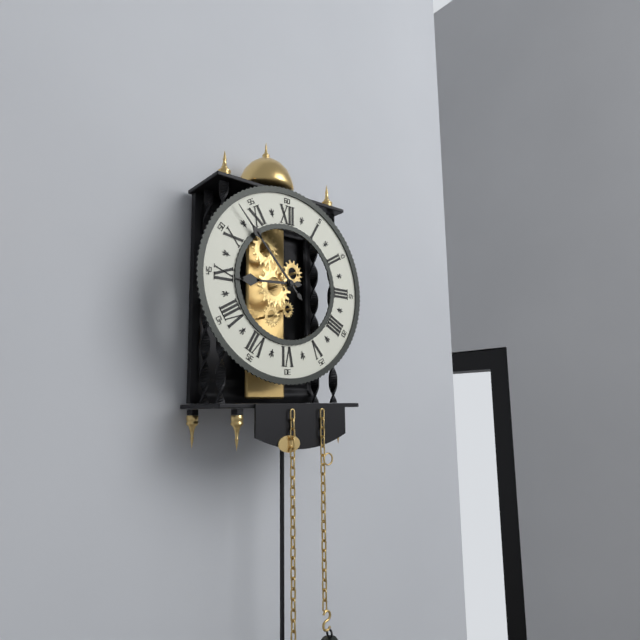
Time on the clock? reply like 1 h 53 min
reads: 8 h 53 min
